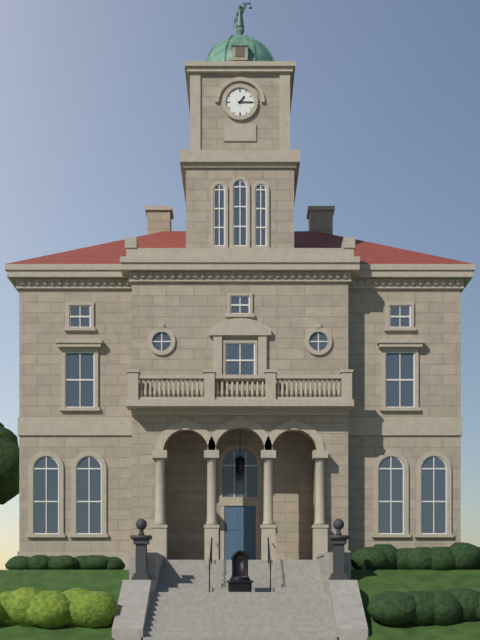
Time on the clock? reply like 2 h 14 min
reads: 1 h 15 min
